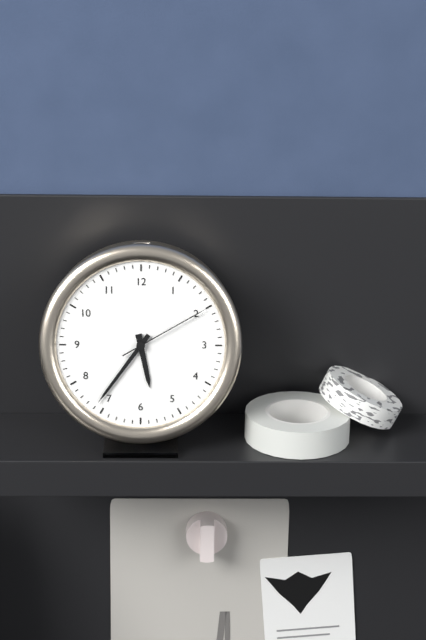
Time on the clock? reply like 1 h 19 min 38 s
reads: 5 h 36 min 10 s
